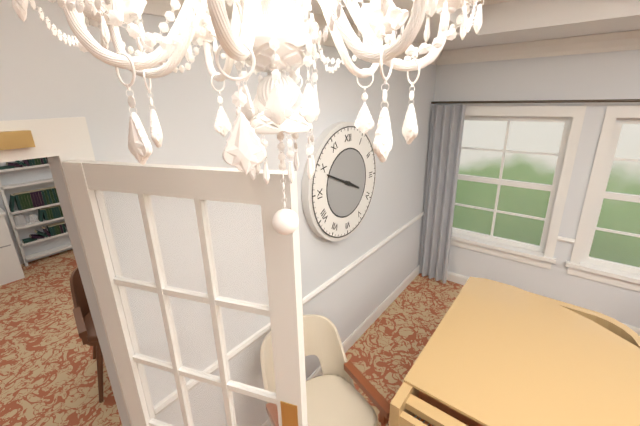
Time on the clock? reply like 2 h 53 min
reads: 3 h 49 min
